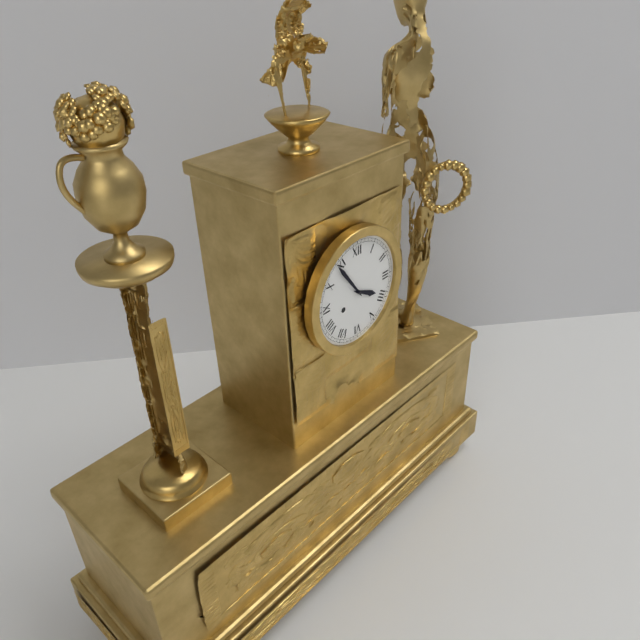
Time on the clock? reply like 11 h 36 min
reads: 3 h 54 min
